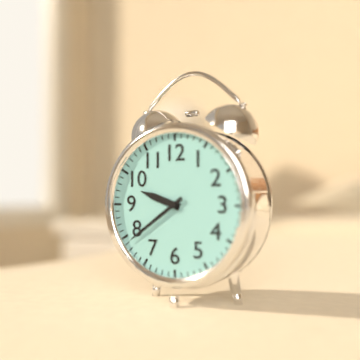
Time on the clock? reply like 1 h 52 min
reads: 9 h 39 min
